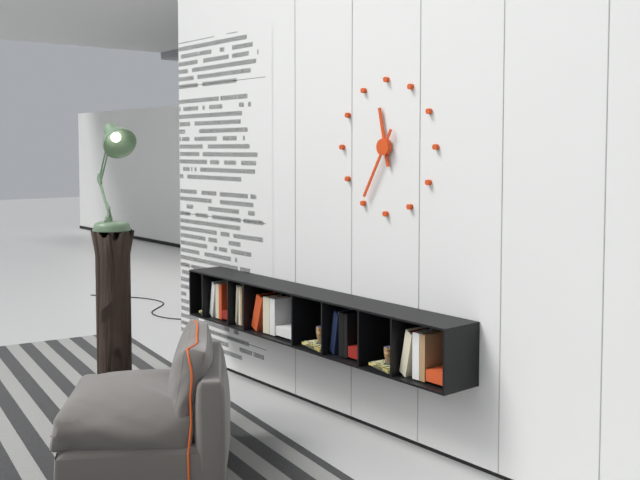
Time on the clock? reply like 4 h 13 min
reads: 11 h 35 min
